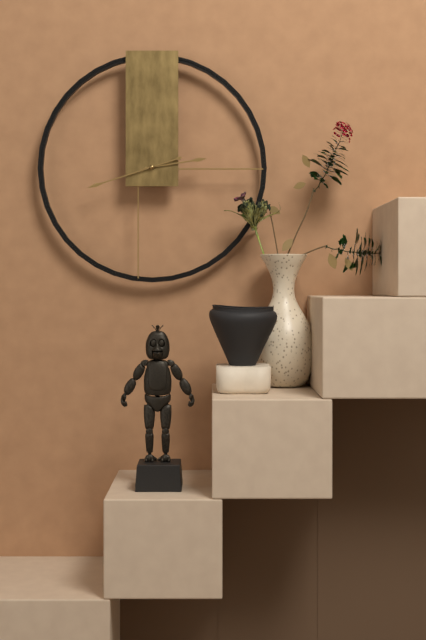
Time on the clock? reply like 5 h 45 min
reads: 2 h 42 min
